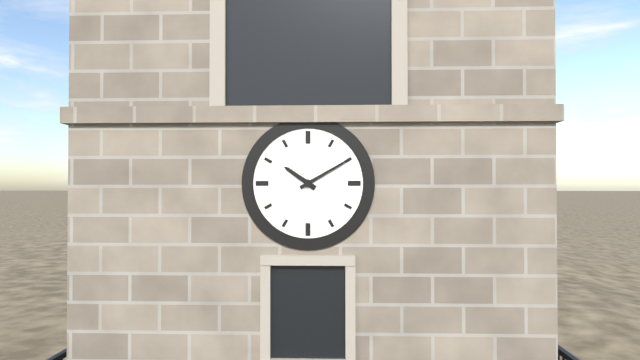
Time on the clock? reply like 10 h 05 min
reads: 10 h 10 min
